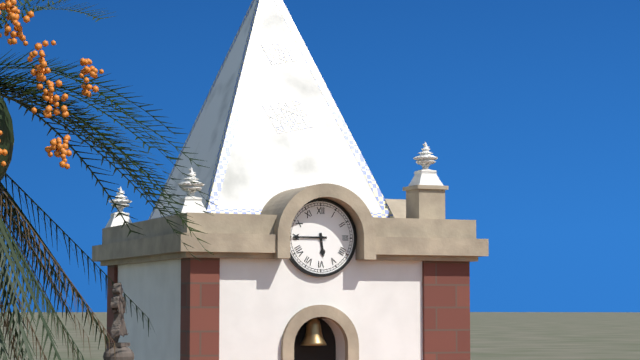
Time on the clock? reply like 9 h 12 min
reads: 5 h 45 min
